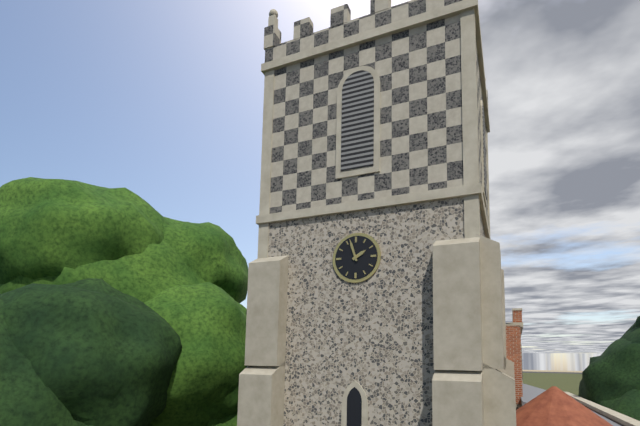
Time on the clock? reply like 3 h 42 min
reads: 1 h 57 min
